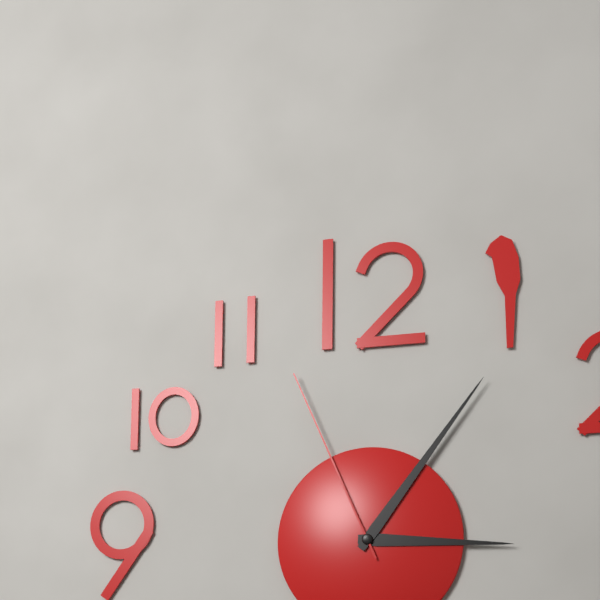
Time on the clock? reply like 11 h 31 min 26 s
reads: 3 h 06 min 56 s
